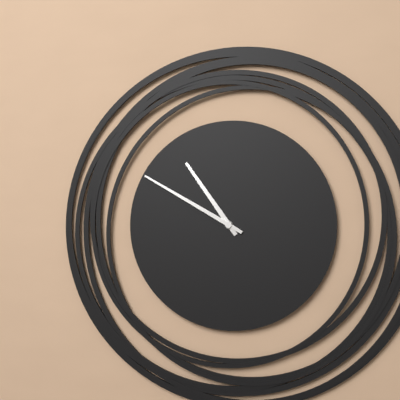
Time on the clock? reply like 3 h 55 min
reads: 10 h 50 min
